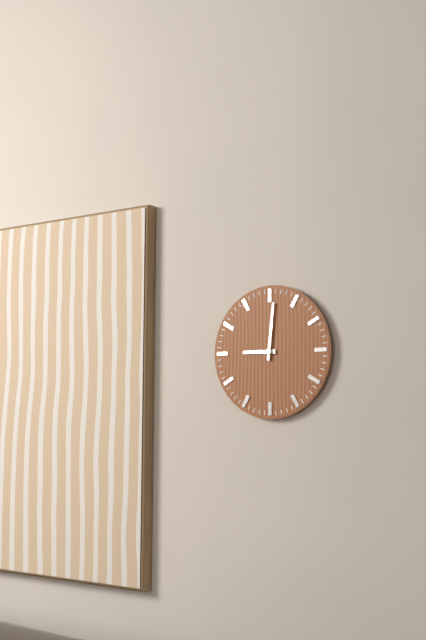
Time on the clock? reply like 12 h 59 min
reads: 9 h 01 min
